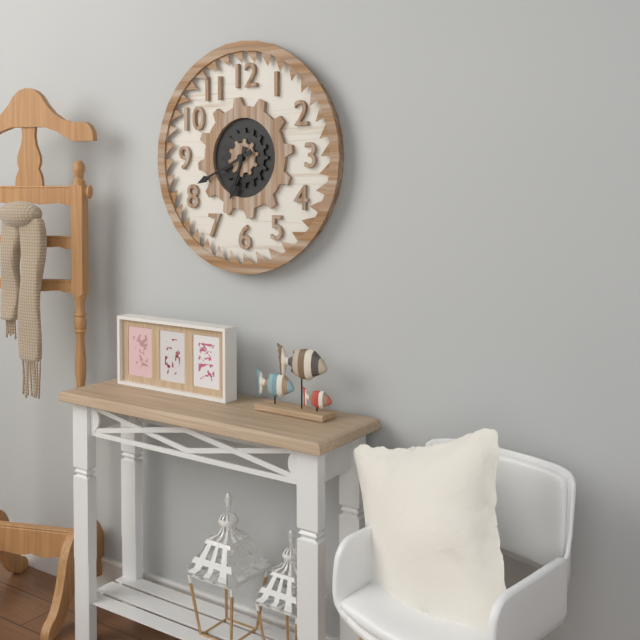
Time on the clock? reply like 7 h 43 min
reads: 6 h 41 min
